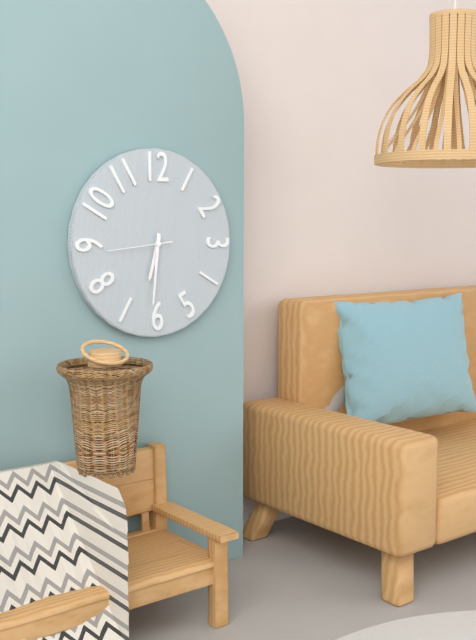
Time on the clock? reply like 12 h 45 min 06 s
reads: 6 h 31 min 44 s
